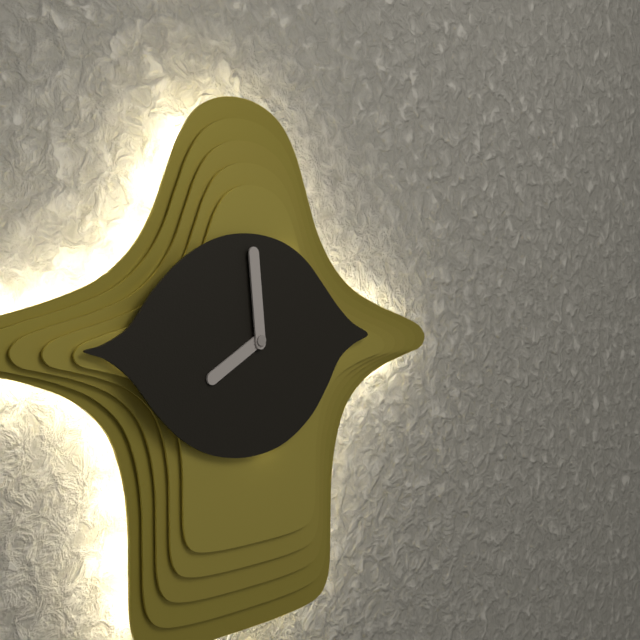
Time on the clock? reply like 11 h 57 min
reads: 7 h 59 min
